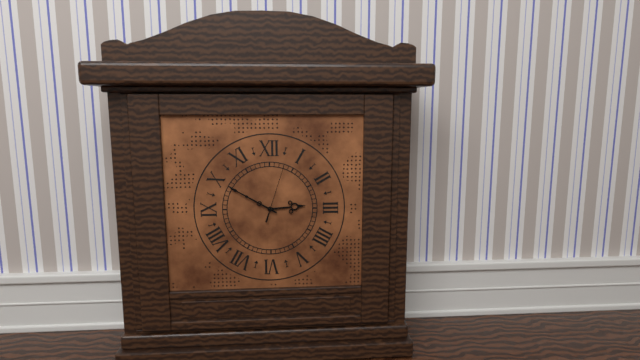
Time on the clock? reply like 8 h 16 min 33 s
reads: 2 h 50 min 03 s
